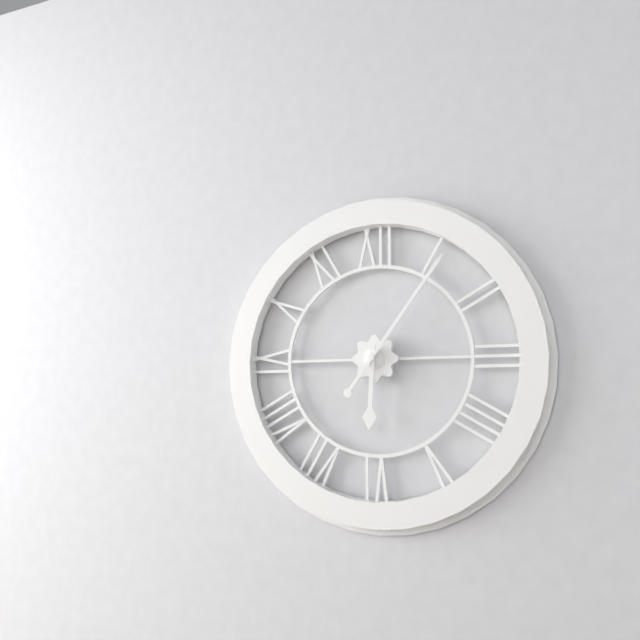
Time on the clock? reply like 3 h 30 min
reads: 6 h 06 min
